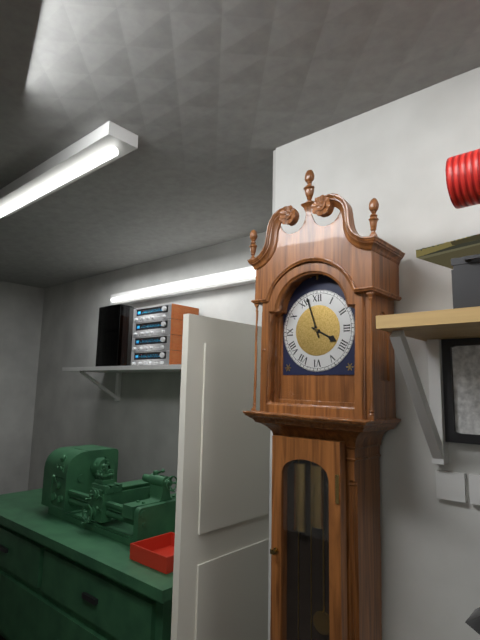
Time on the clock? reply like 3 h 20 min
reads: 3 h 57 min
